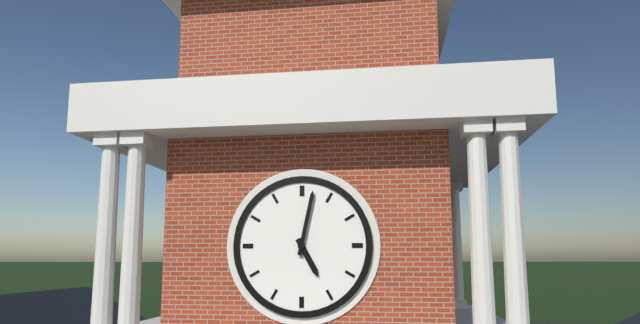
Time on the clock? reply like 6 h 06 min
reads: 5 h 02 min
